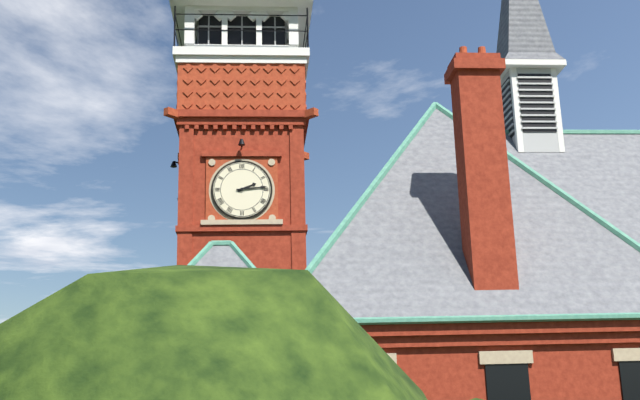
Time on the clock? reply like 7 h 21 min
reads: 2 h 14 min
